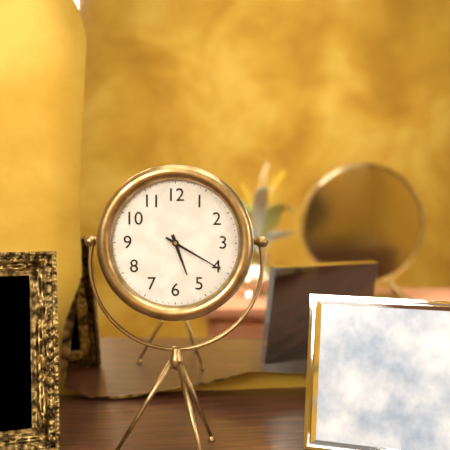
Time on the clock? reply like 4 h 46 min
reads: 5 h 20 min
